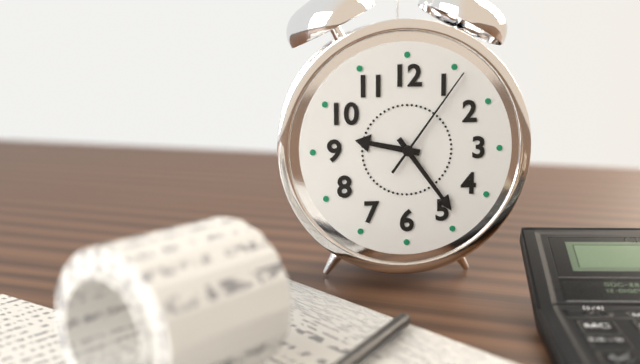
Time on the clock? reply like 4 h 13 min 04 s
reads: 9 h 24 min 06 s
